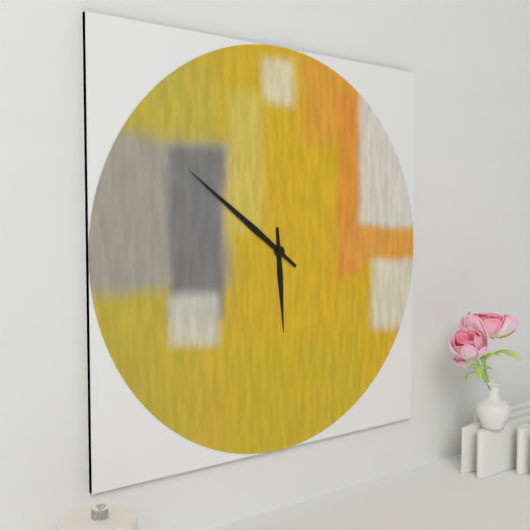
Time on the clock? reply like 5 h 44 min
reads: 5 h 51 min
